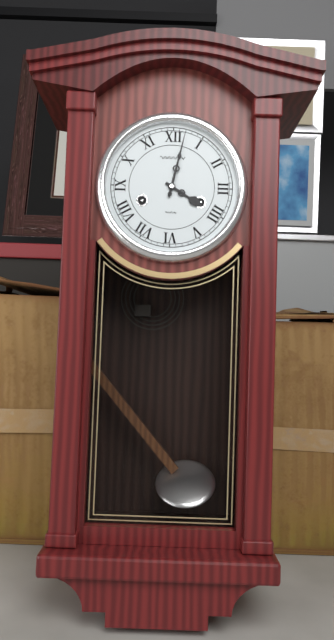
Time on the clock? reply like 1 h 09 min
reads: 4 h 02 min
